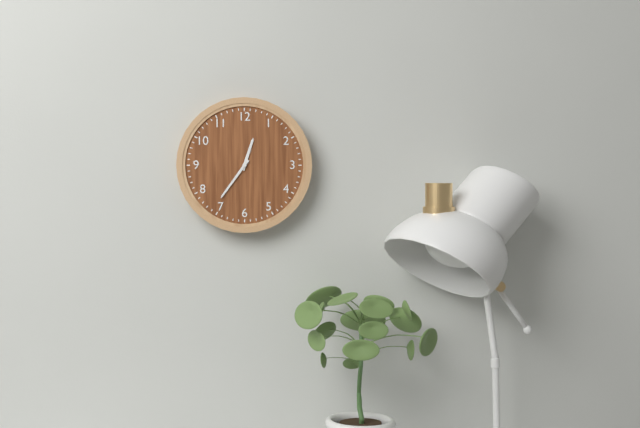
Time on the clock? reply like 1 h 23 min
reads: 12 h 36 min
